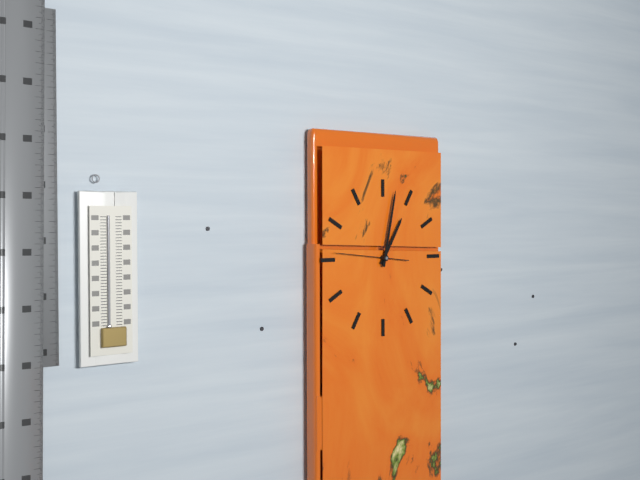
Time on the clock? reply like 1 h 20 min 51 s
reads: 1 h 02 min 46 s
